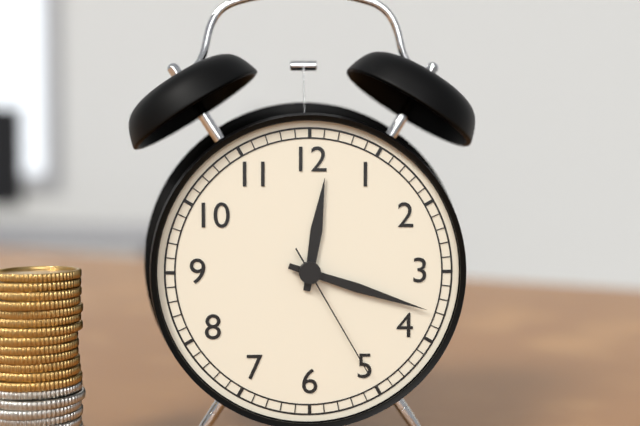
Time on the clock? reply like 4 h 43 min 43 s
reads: 12 h 18 min 25 s
